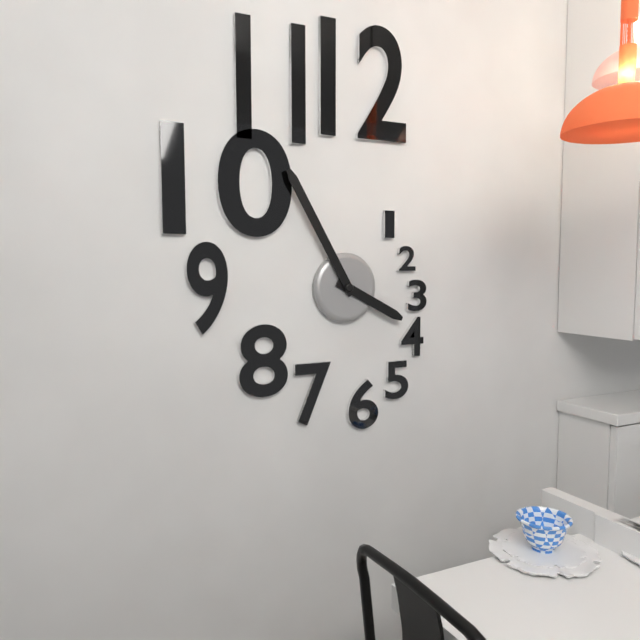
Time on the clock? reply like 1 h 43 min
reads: 3 h 55 min
